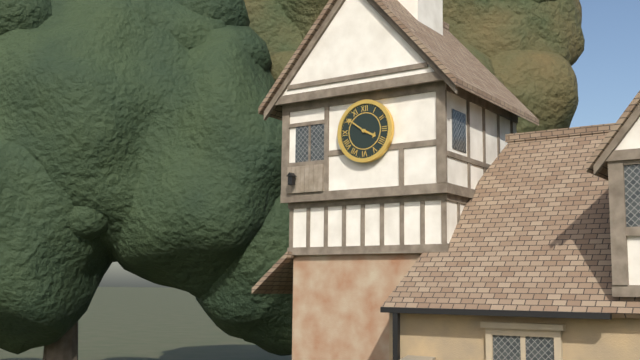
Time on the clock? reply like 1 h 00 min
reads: 3 h 51 min
